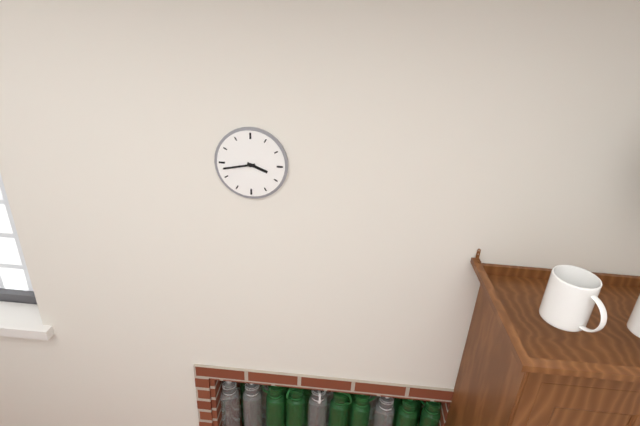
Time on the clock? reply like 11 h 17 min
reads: 3 h 43 min
